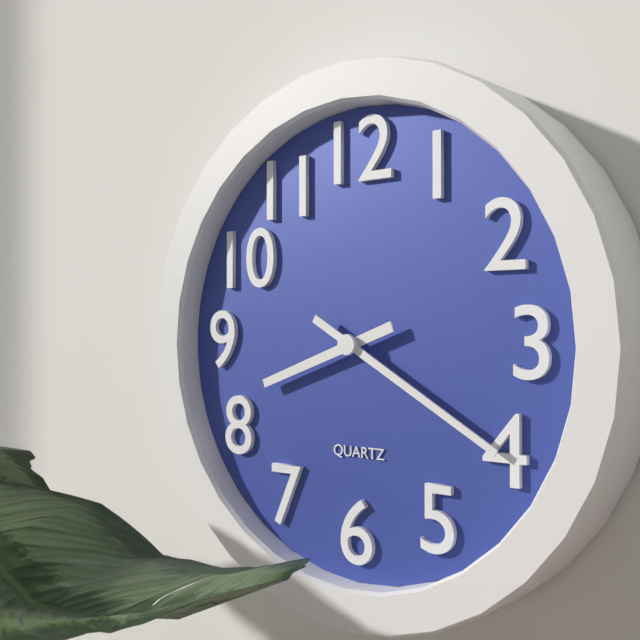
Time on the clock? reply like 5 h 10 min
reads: 8 h 20 min
